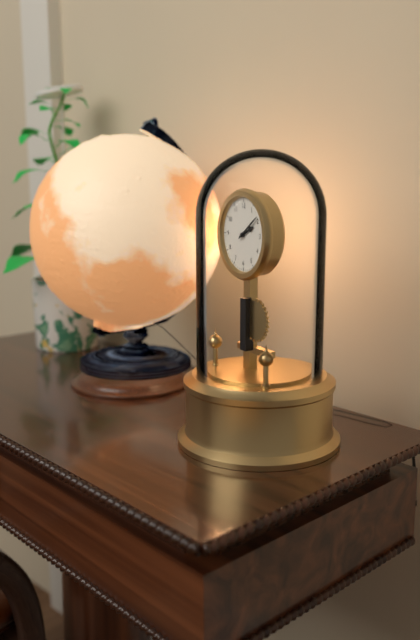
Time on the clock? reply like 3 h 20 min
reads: 2 h 09 min
